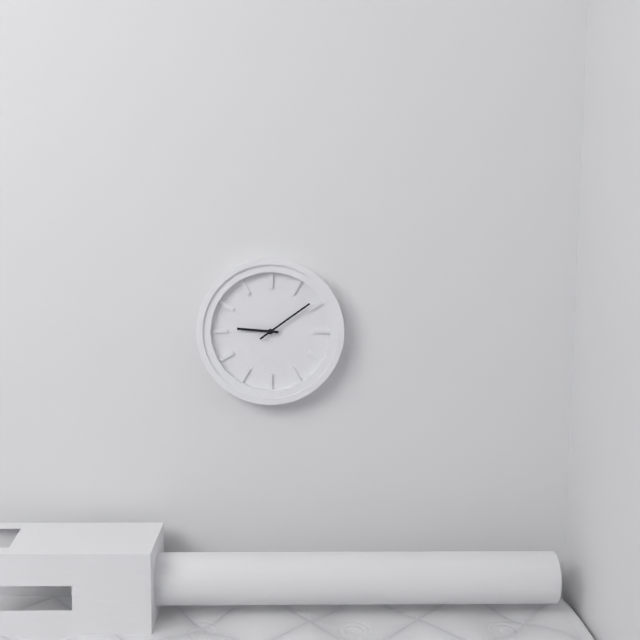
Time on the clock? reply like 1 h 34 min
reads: 9 h 09 min
